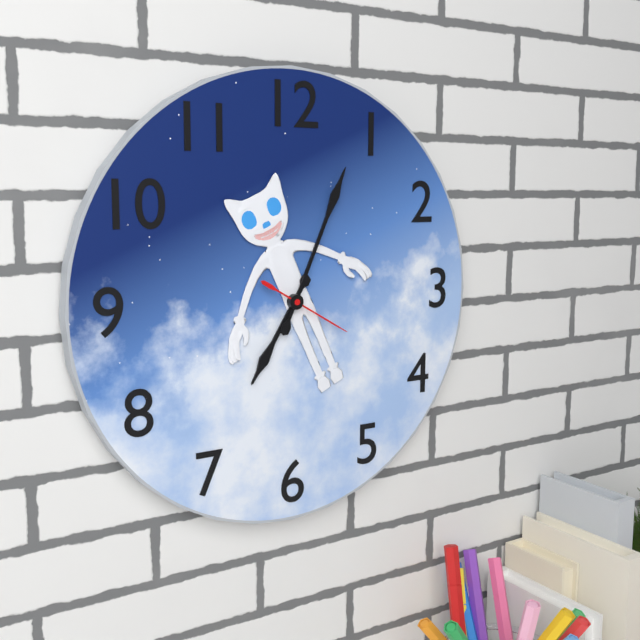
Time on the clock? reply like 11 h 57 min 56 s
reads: 7 h 04 min 20 s
